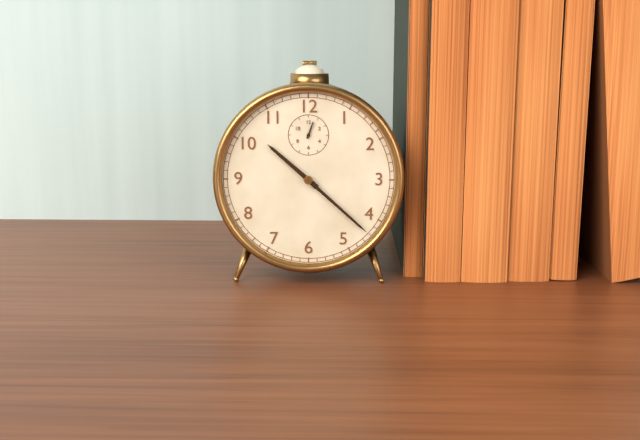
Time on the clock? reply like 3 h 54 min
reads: 10 h 22 min
